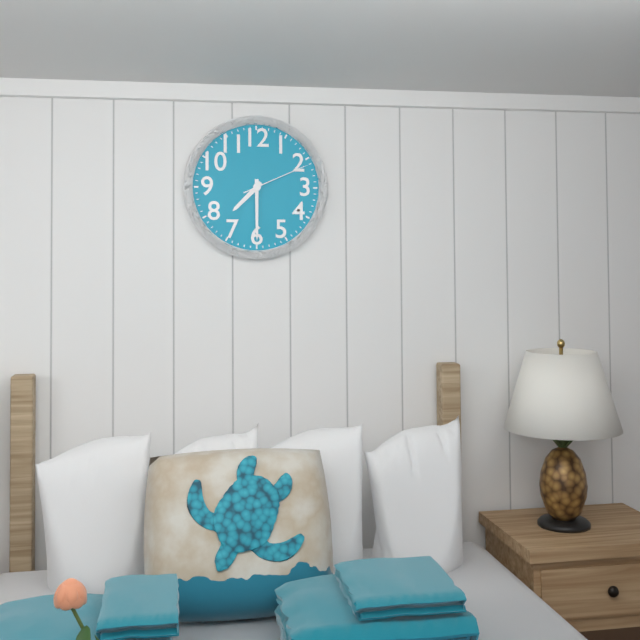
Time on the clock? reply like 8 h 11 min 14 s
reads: 7 h 30 min 11 s
